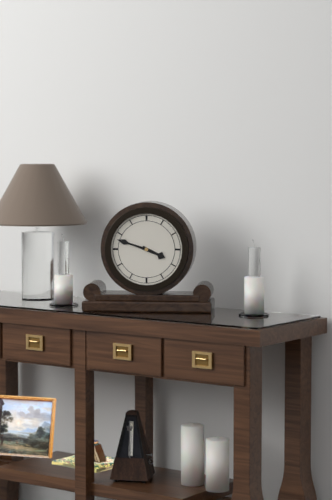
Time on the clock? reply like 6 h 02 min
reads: 3 h 48 min
